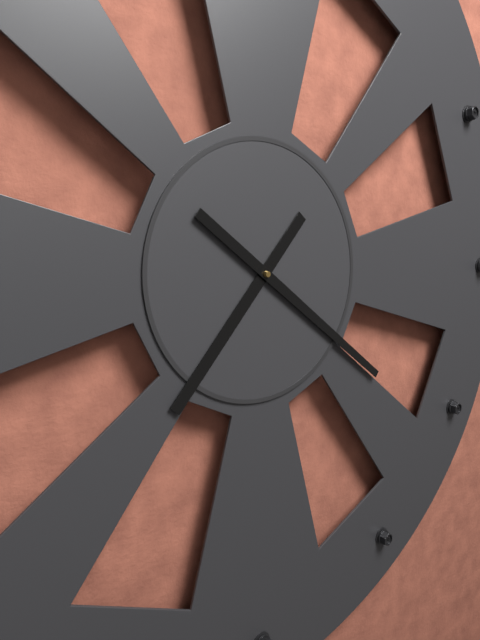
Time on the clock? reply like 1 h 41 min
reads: 7 h 21 min
